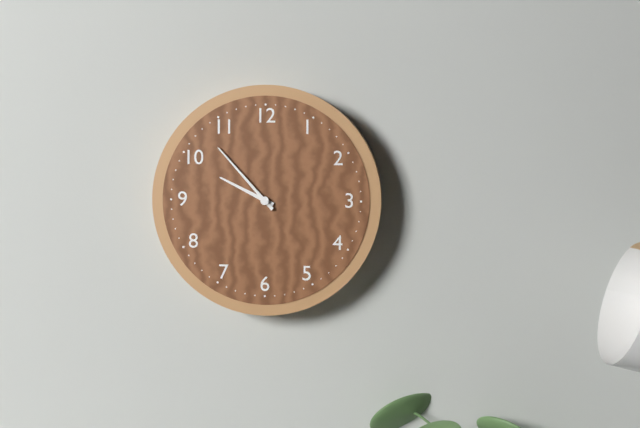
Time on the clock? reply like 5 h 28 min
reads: 9 h 53 min
